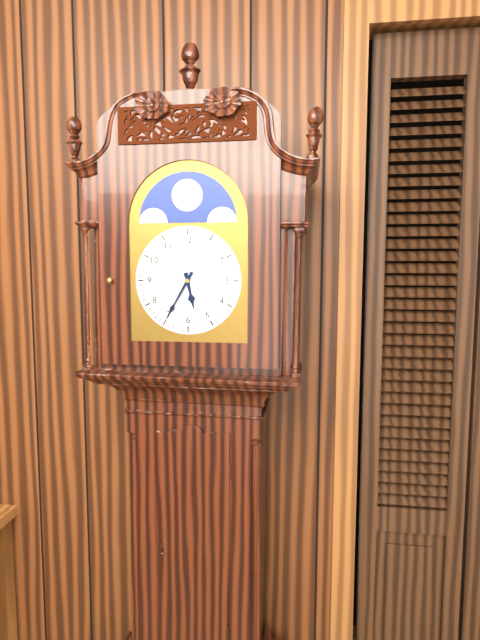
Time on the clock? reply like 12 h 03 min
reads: 5 h 35 min
